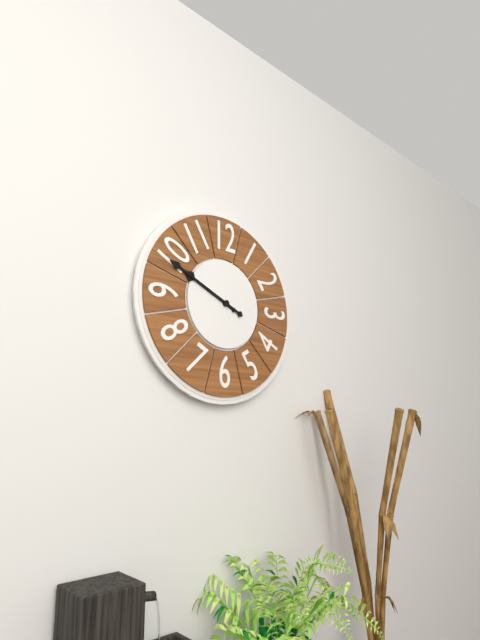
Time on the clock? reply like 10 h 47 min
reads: 9 h 49 min
